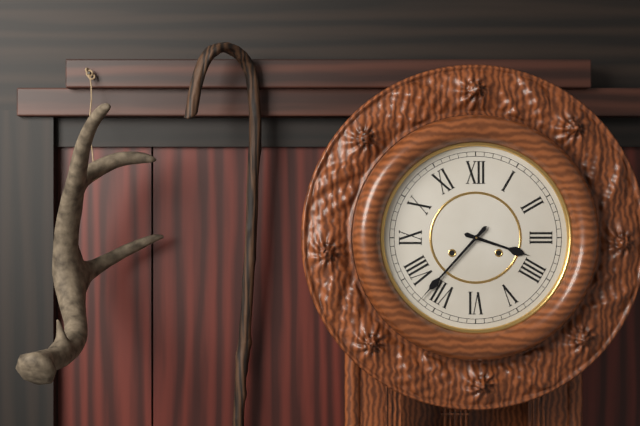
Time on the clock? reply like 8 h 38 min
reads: 3 h 37 min
